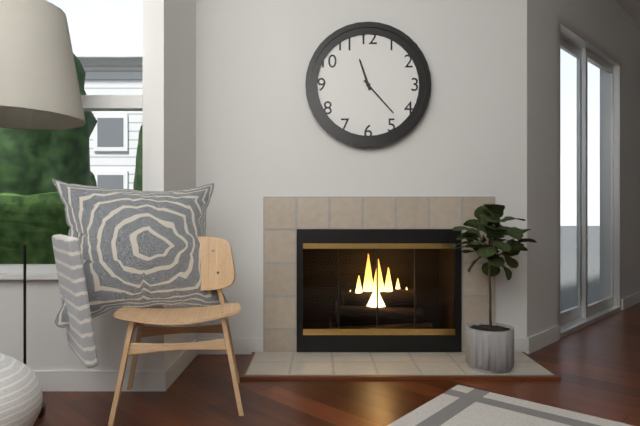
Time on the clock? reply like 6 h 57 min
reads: 11 h 23 min
